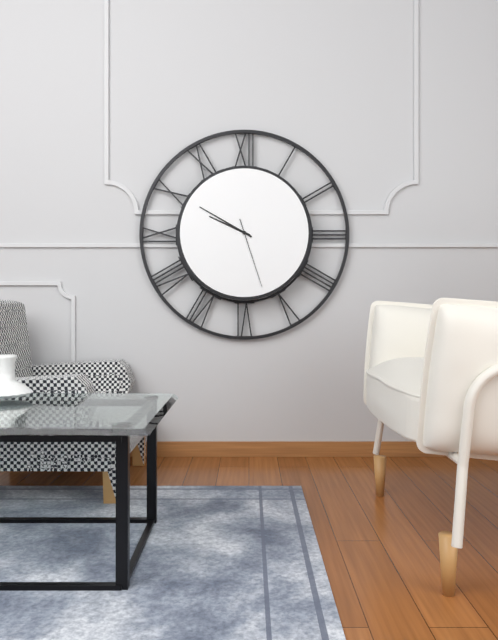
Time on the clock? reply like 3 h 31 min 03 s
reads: 9 h 50 min 27 s
